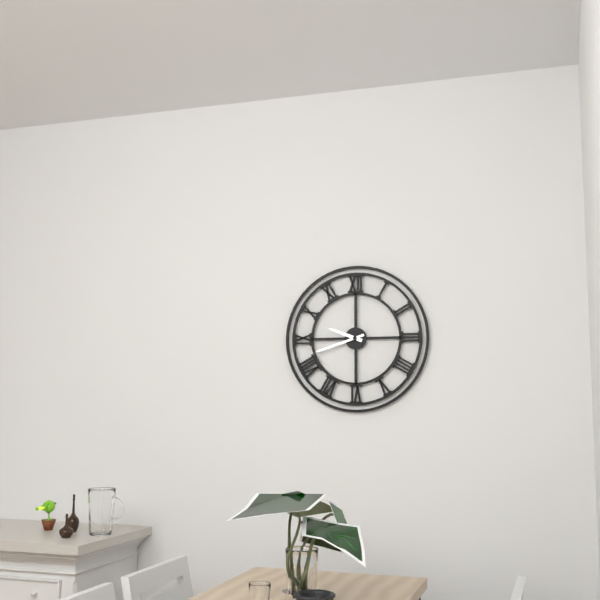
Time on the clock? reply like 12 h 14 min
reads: 9 h 42 min
